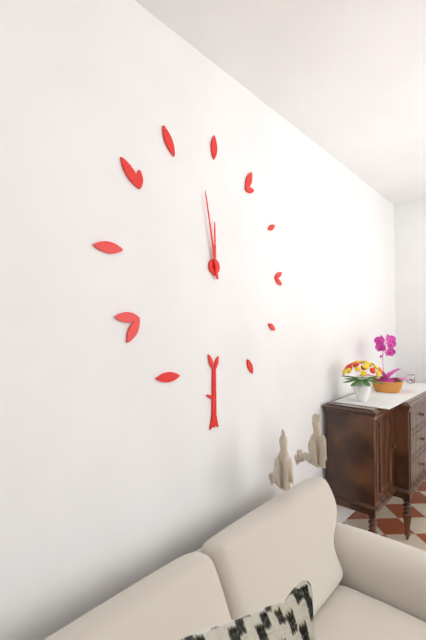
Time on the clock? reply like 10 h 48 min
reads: 11 h 58 min
